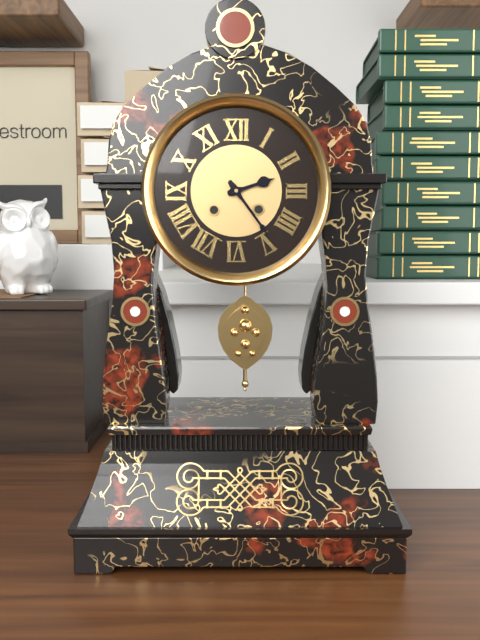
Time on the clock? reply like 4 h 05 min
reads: 2 h 24 min
